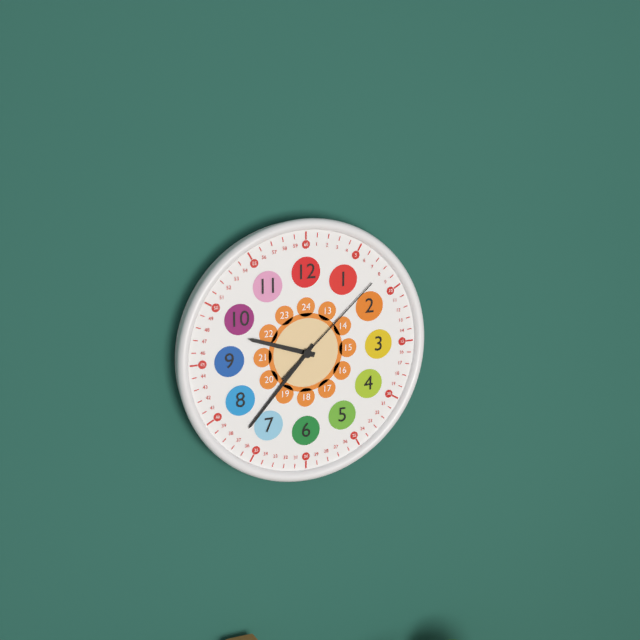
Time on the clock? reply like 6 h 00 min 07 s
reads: 9 h 37 min 08 s
